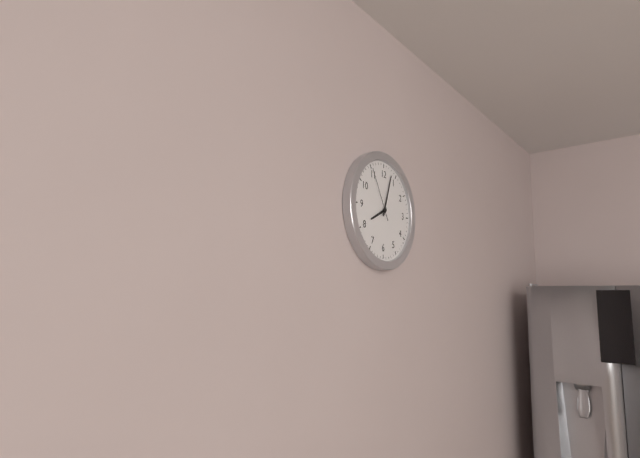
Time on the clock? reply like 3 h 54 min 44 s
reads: 8 h 03 min 55 s
